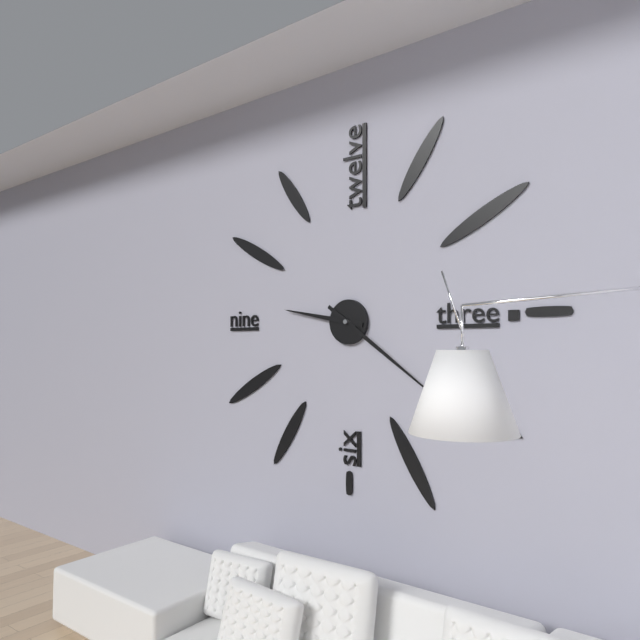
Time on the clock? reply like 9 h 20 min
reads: 9 h 21 min
